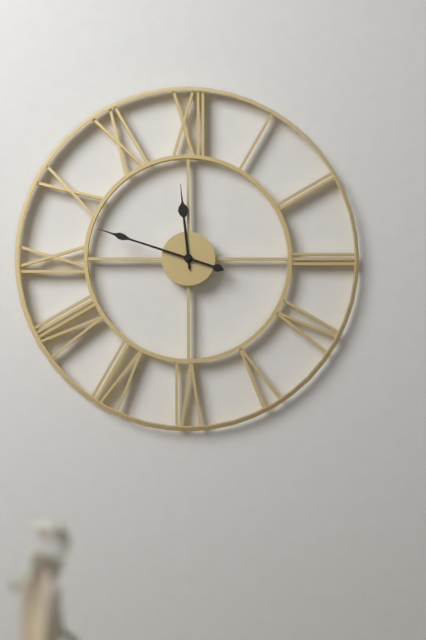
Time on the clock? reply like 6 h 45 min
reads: 11 h 48 min
